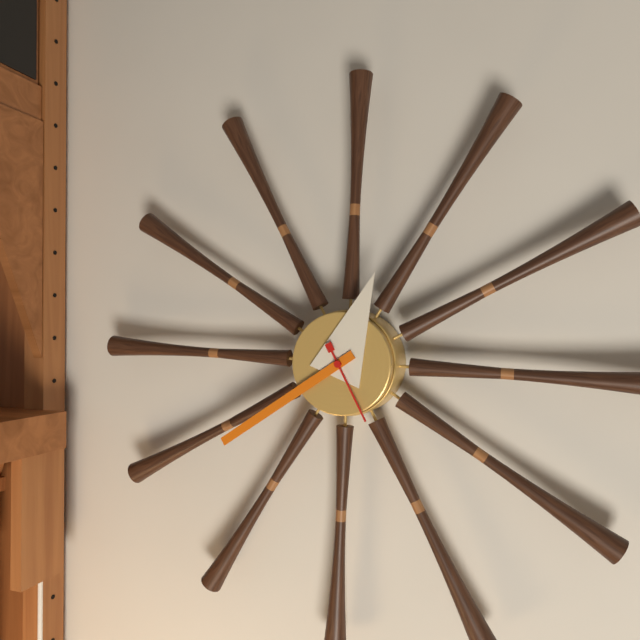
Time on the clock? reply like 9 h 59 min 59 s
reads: 12 h 39 min 25 s
